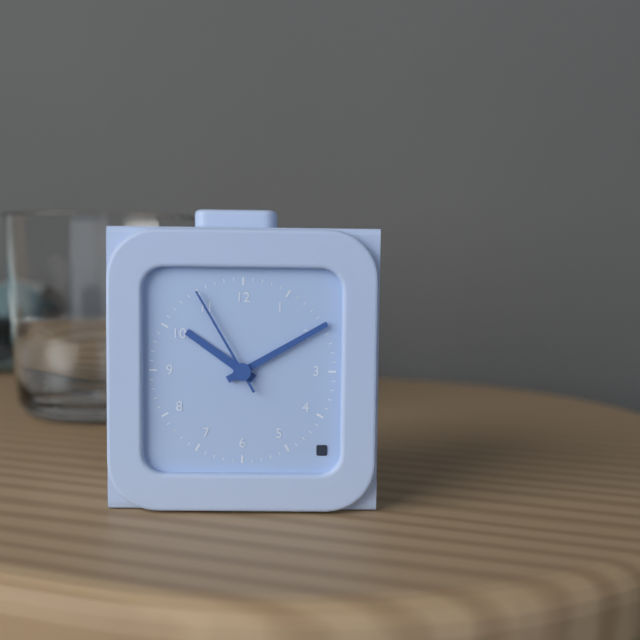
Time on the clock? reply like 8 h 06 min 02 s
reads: 10 h 10 min 55 s
